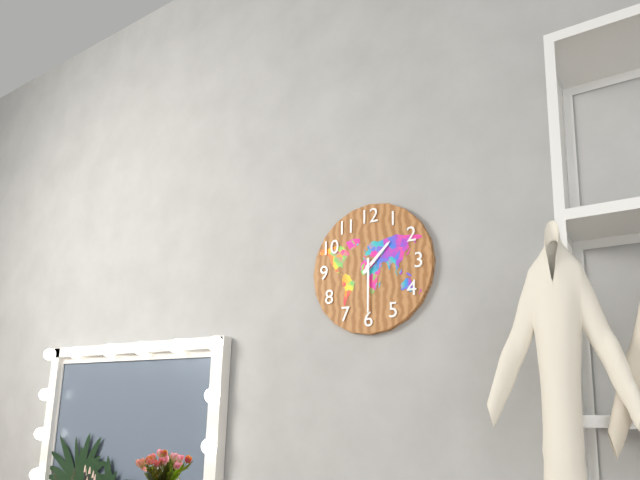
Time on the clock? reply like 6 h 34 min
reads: 1 h 30 min
